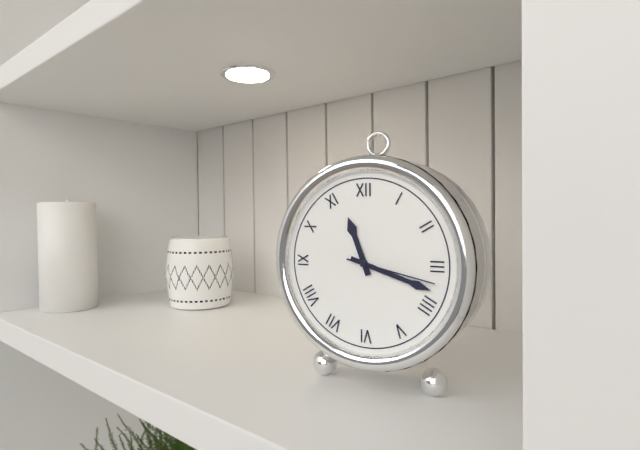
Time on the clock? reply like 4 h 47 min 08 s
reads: 11 h 18 min 17 s
